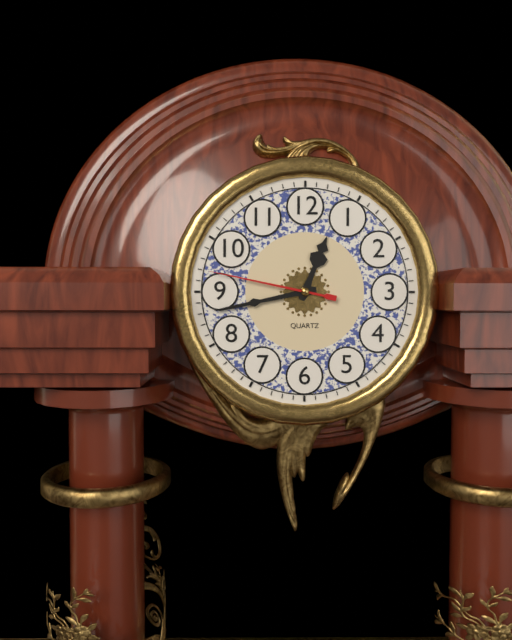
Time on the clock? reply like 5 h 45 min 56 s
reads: 12 h 43 min 47 s
